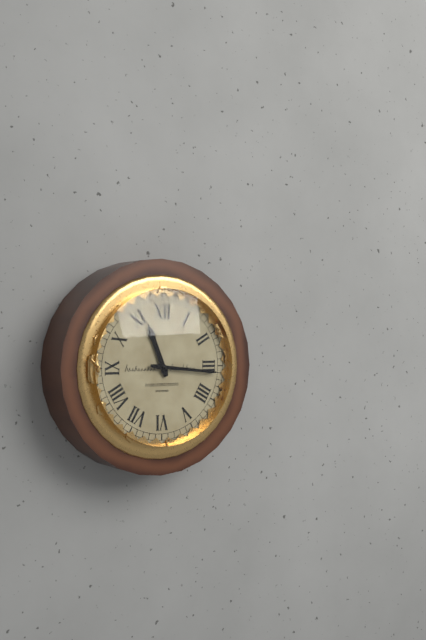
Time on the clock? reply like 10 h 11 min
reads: 11 h 16 min
